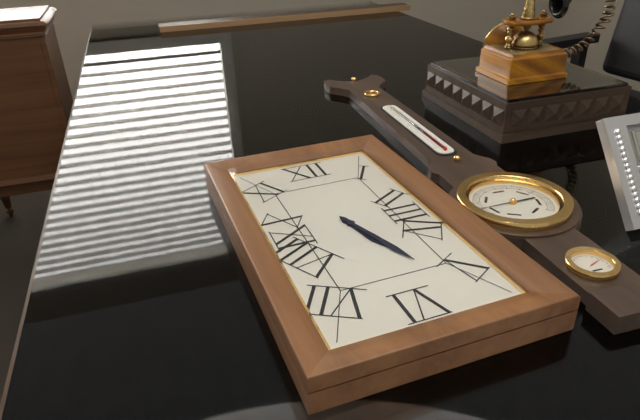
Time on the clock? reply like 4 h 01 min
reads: 5 h 27 min
